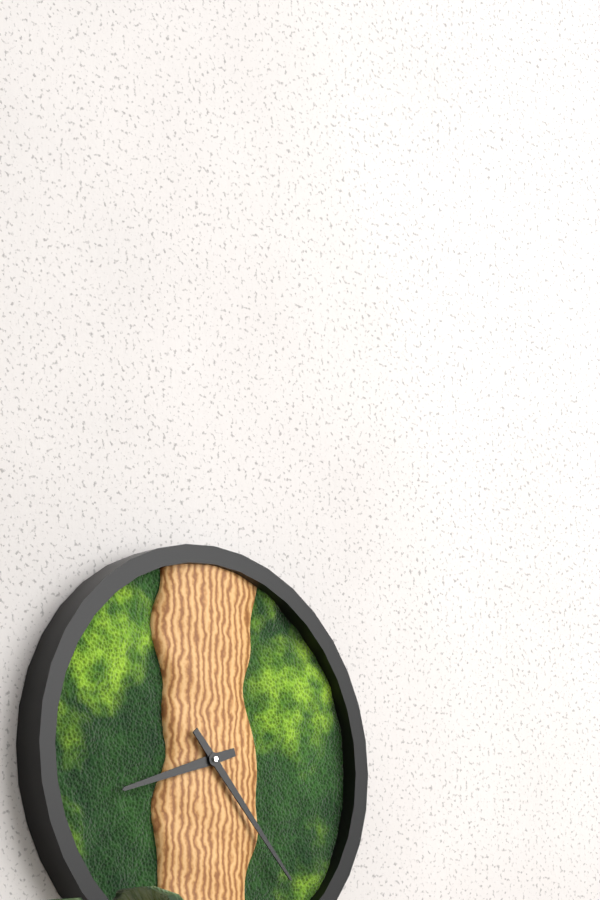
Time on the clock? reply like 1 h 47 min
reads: 8 h 23 min
